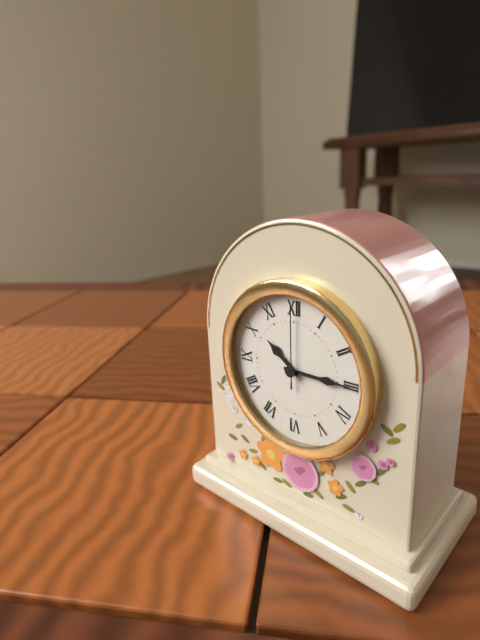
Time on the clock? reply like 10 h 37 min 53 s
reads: 10 h 15 min 00 s
